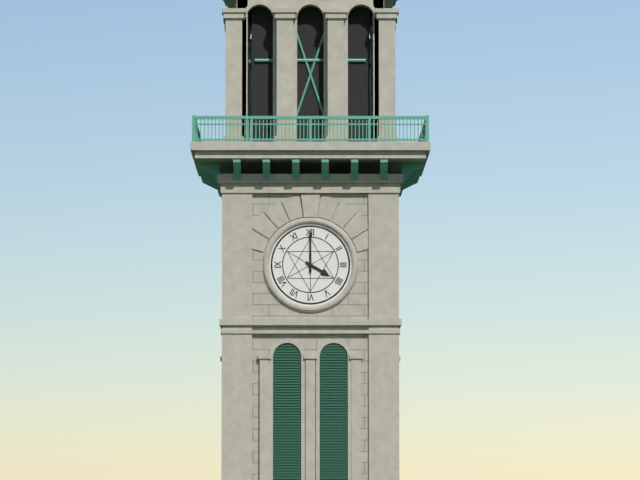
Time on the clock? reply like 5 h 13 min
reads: 4 h 00 min
